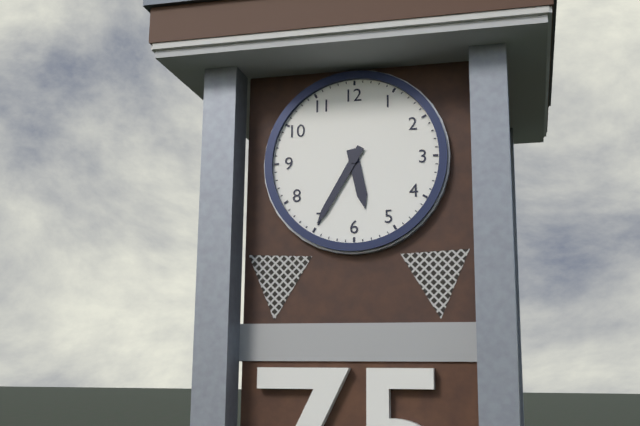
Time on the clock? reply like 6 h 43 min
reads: 5 h 35 min
